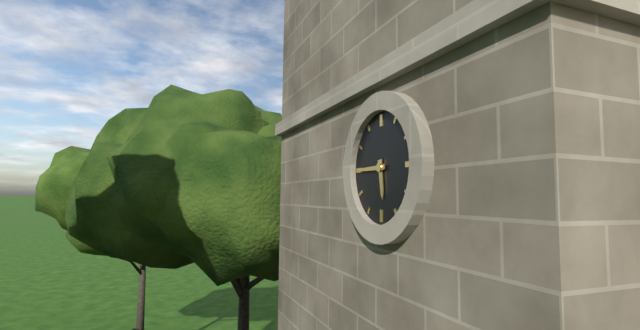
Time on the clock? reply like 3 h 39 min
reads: 5 h 45 min
